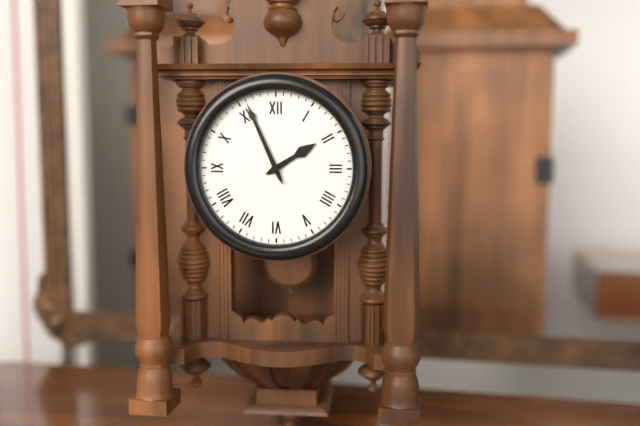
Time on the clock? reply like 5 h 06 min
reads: 1 h 56 min
